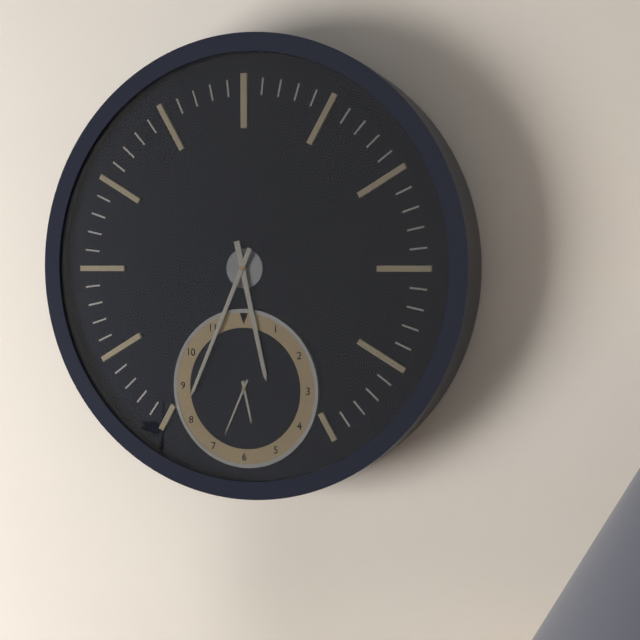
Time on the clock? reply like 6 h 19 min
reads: 5 h 34 min
